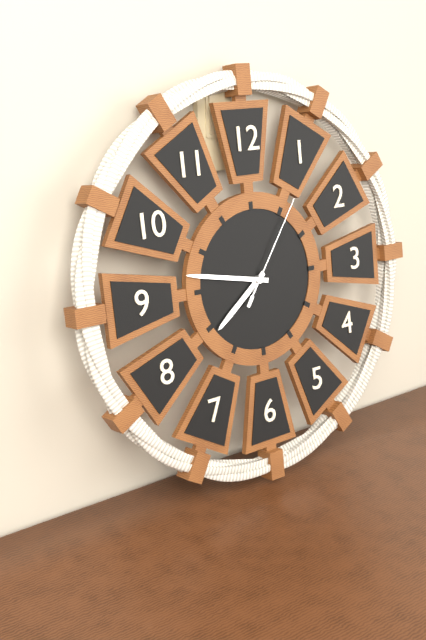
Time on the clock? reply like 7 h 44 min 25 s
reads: 7 h 47 min 06 s
